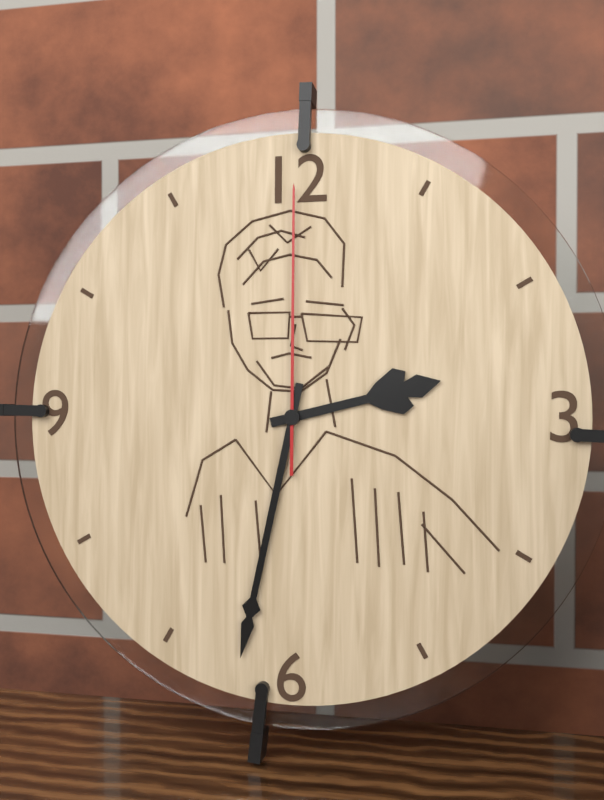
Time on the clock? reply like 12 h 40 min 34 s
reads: 2 h 32 min 00 s
